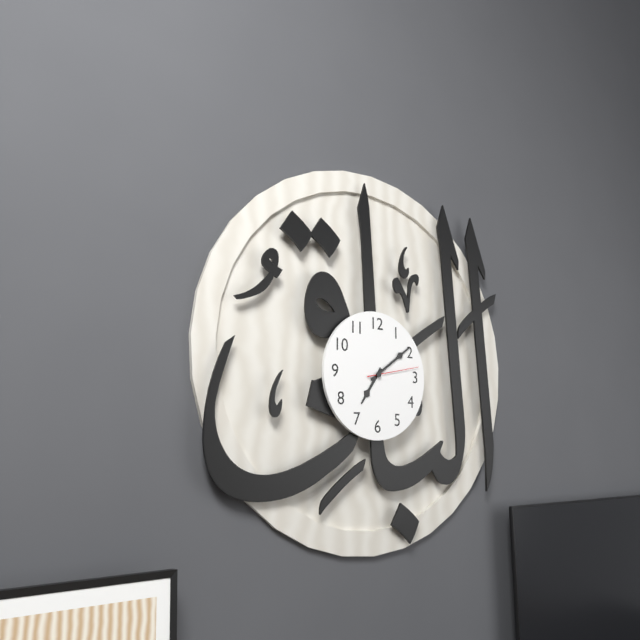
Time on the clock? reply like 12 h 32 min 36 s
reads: 7 h 09 min 13 s
